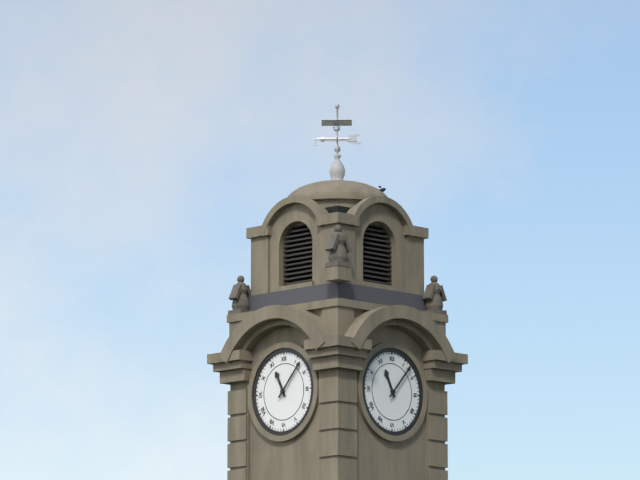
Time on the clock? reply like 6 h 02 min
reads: 11 h 07 min
